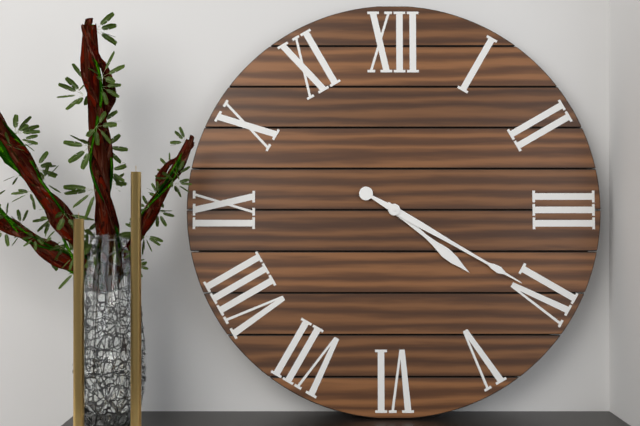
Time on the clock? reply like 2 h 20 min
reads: 4 h 20 min
